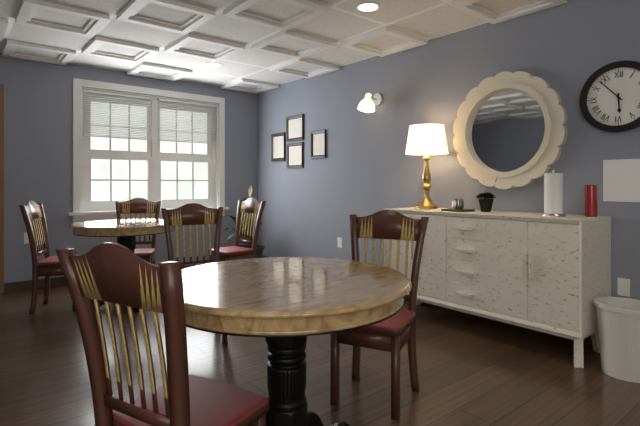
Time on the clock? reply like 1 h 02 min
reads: 5 h 53 min
